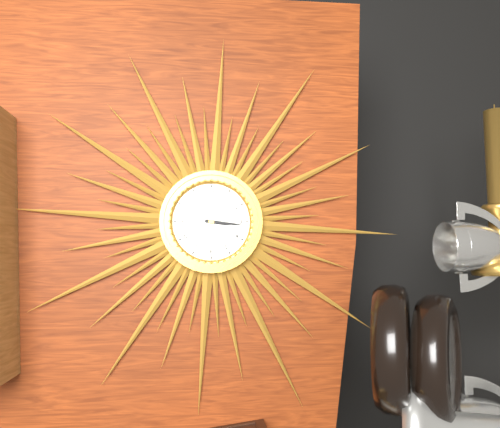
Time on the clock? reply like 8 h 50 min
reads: 3 h 16 min
